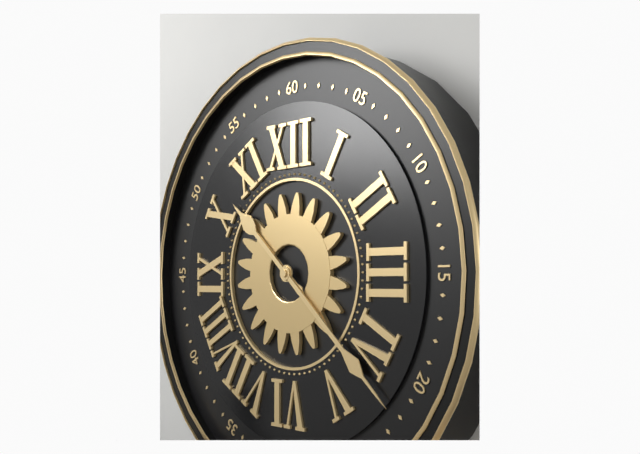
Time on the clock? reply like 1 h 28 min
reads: 10 h 22 min
